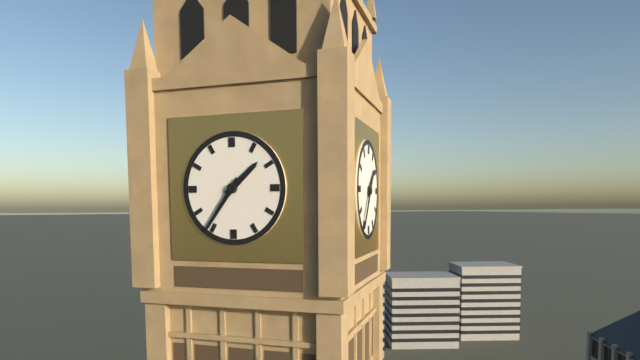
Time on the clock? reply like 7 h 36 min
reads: 1 h 36 min
